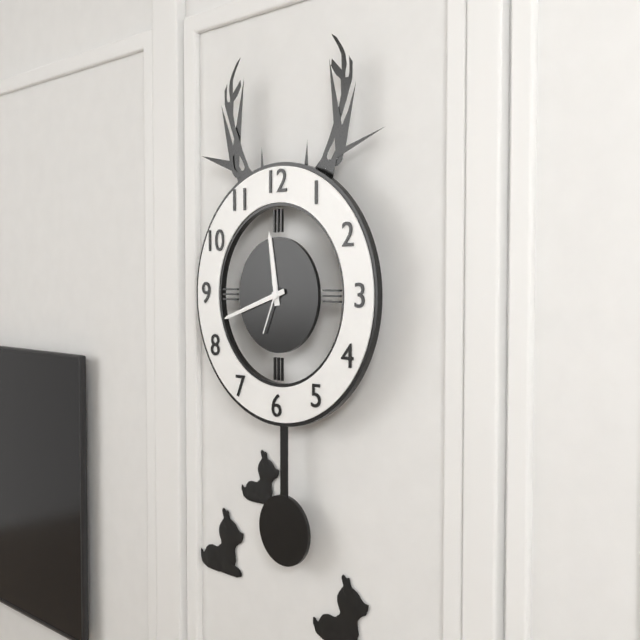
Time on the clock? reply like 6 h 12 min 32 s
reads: 11 h 42 min 34 s
